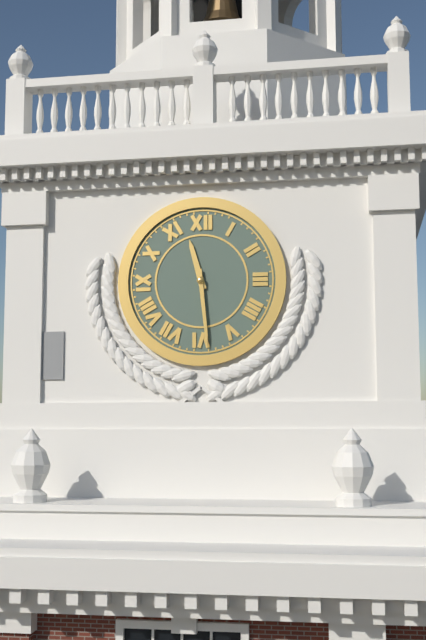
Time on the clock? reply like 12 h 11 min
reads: 11 h 29 min
